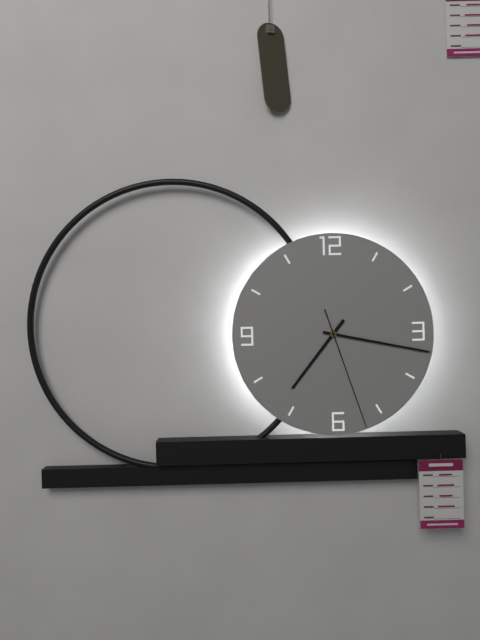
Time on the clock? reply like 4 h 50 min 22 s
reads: 7 h 17 min 27 s
